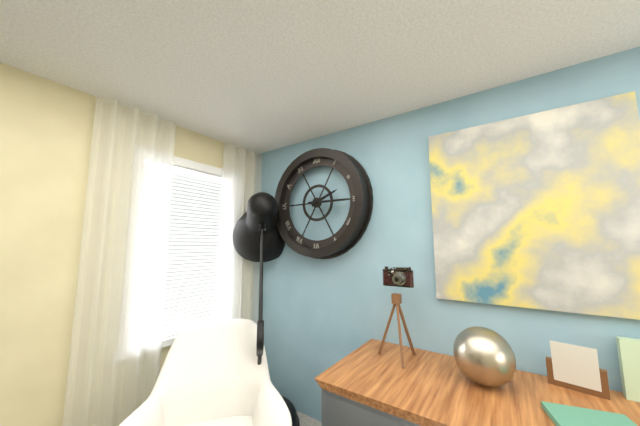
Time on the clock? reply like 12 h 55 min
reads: 2 h 15 min
